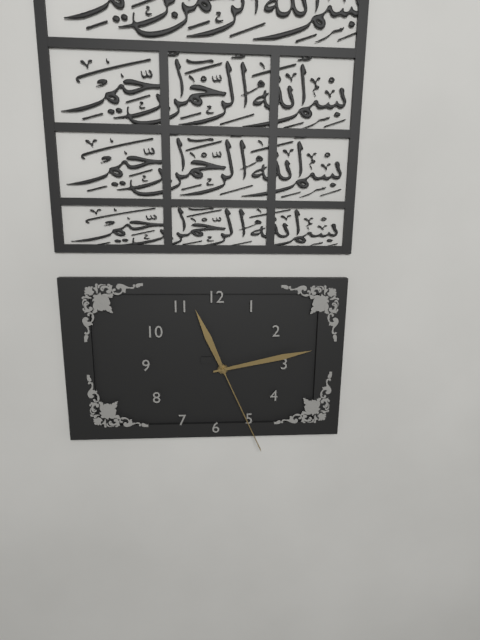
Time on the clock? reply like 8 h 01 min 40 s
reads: 11 h 13 min 26 s
